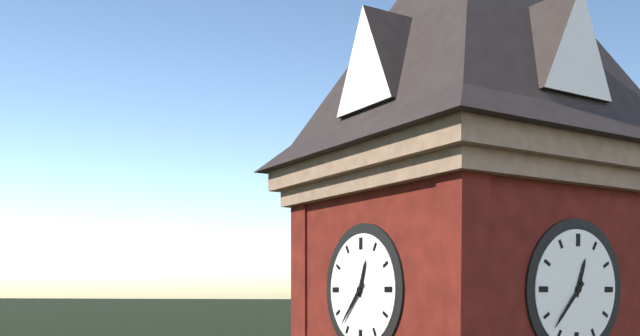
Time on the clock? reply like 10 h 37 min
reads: 12 h 37 min
